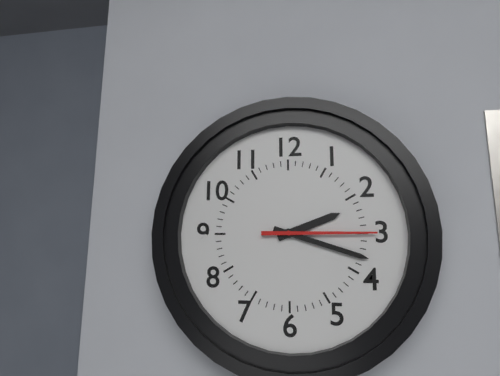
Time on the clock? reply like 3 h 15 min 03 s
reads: 2 h 18 min 15 s
